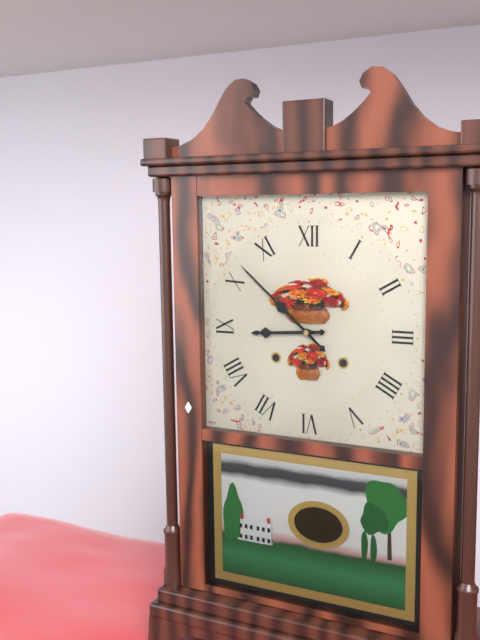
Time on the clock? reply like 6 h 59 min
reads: 8 h 52 min
